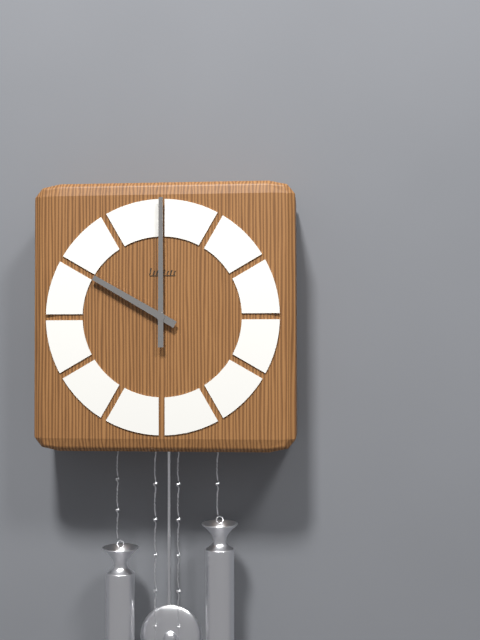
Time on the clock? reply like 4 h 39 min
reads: 10 h 00 min
